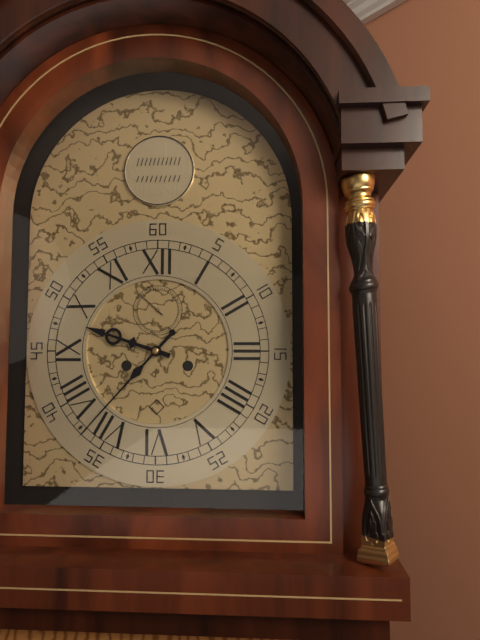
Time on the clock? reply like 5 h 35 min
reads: 9 h 37 min
